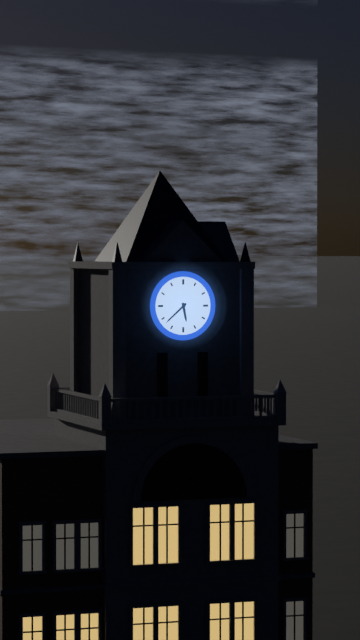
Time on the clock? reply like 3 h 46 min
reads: 5 h 38 min
